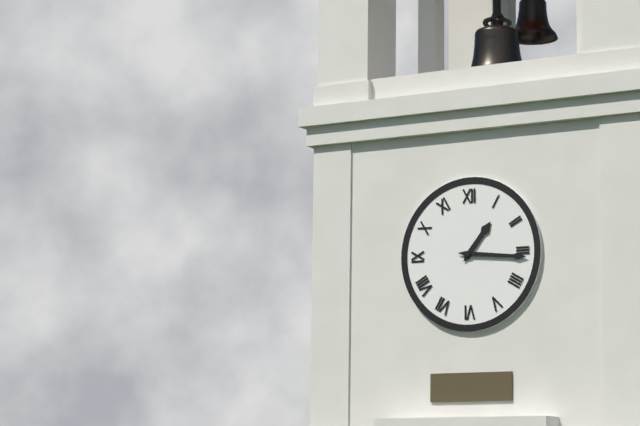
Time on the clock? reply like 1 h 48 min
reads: 1 h 16 min
